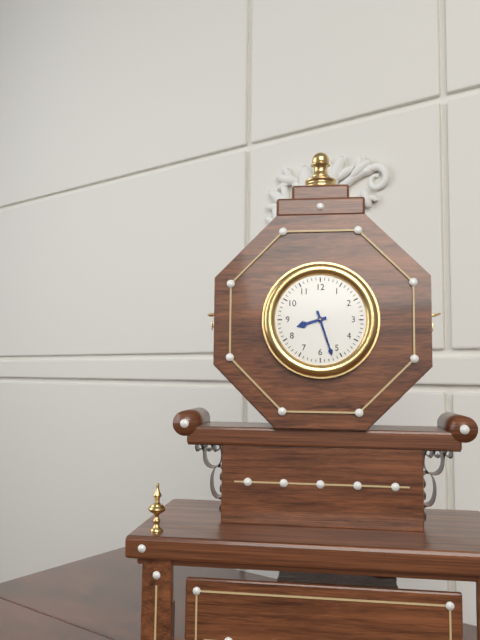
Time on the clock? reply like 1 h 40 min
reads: 8 h 27 min
